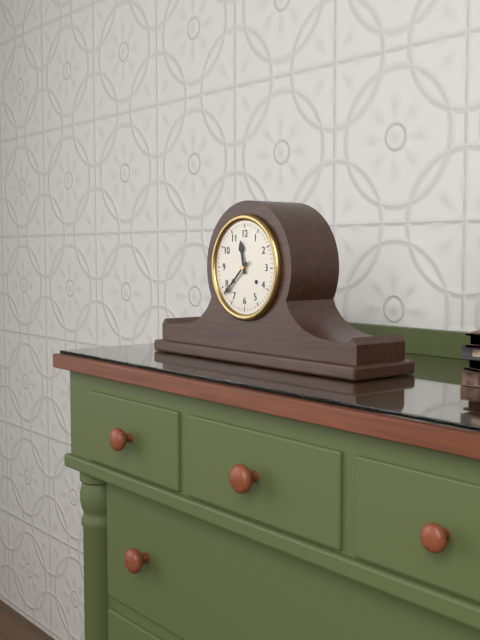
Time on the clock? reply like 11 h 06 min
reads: 11 h 38 min
